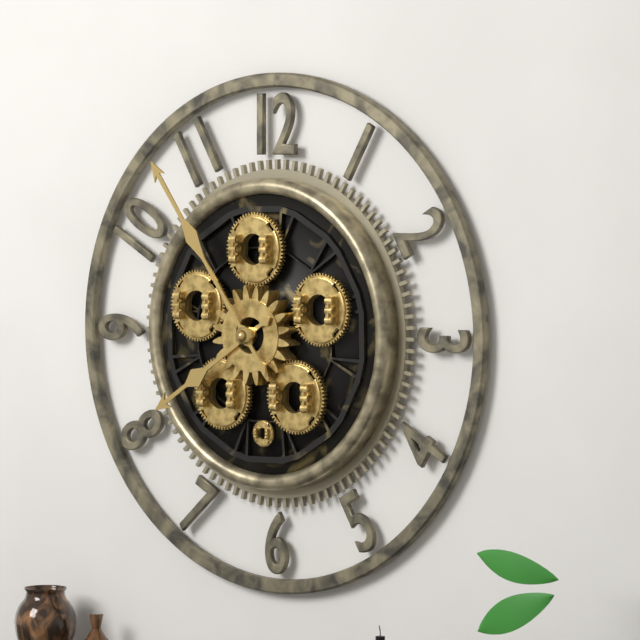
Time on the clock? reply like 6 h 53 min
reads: 7 h 54 min
